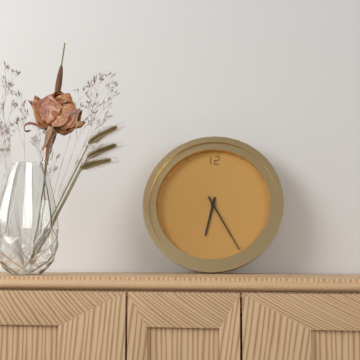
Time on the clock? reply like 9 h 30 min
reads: 6 h 25 min
